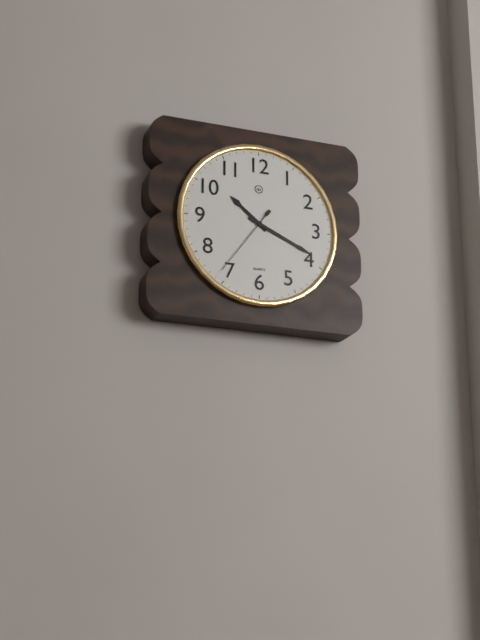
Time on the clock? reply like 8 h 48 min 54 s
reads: 10 h 19 min 36 s
